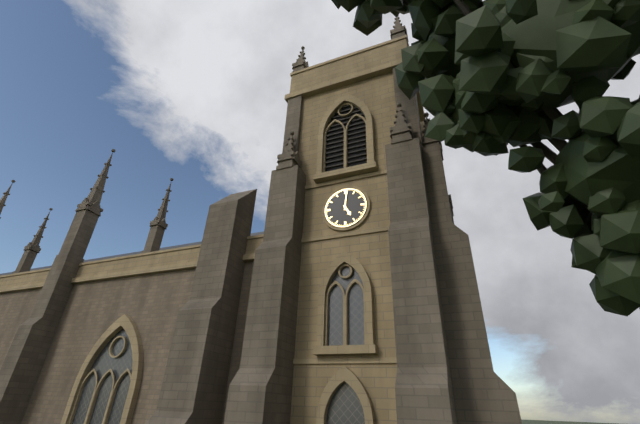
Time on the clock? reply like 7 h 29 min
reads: 5 h 01 min
